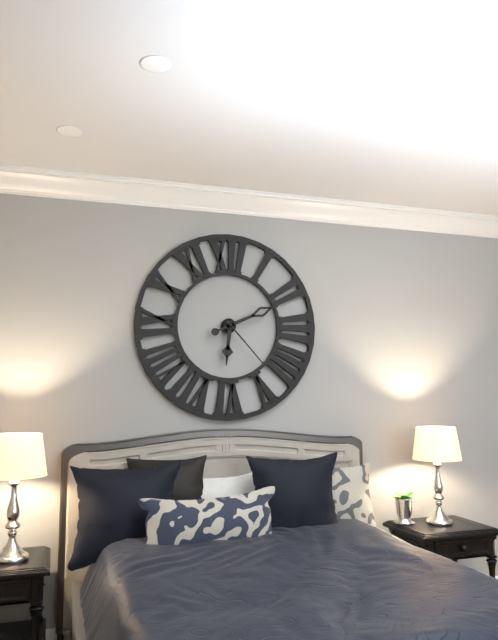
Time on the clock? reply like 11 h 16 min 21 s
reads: 6 h 11 min 23 s
